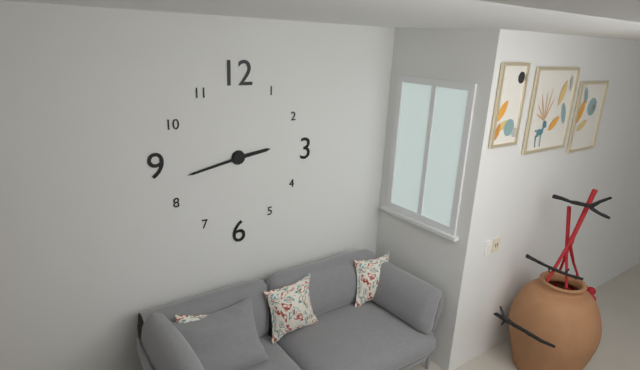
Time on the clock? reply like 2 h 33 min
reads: 2 h 43 min
